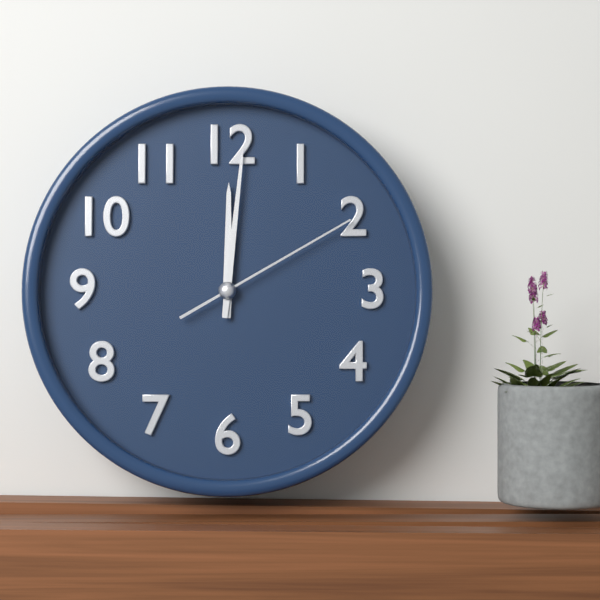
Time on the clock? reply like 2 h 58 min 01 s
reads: 12 h 01 min 10 s
